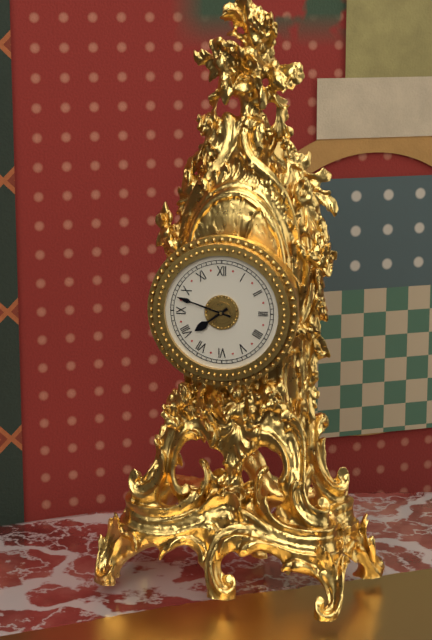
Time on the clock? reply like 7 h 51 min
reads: 7 h 48 min
